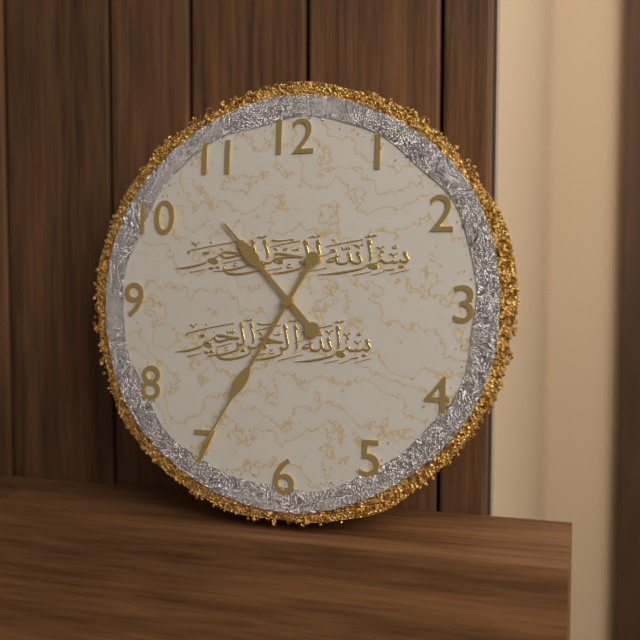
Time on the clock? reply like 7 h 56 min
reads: 10 h 35 min
